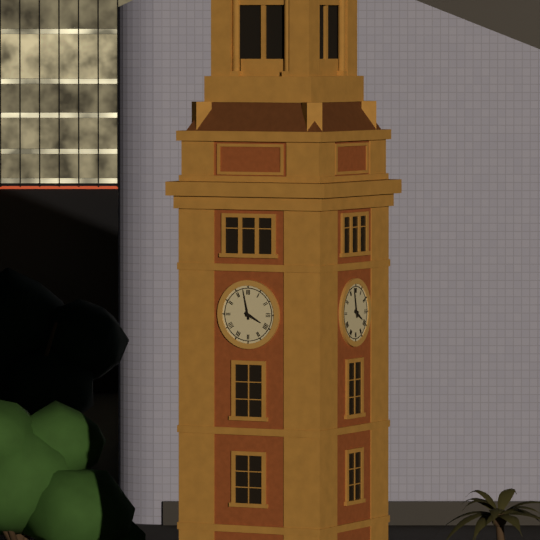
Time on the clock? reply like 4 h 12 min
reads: 3 h 58 min
